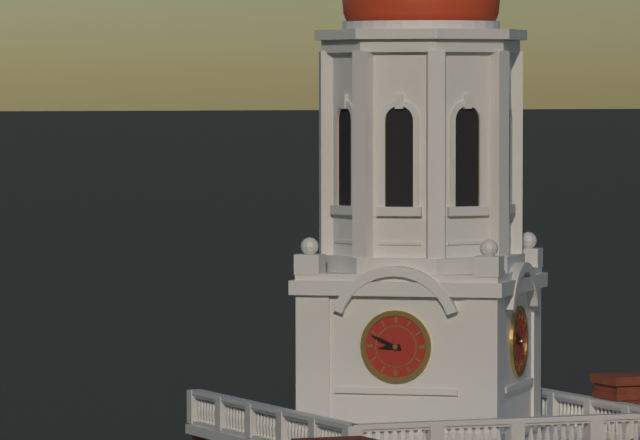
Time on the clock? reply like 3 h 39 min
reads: 8 h 49 min
